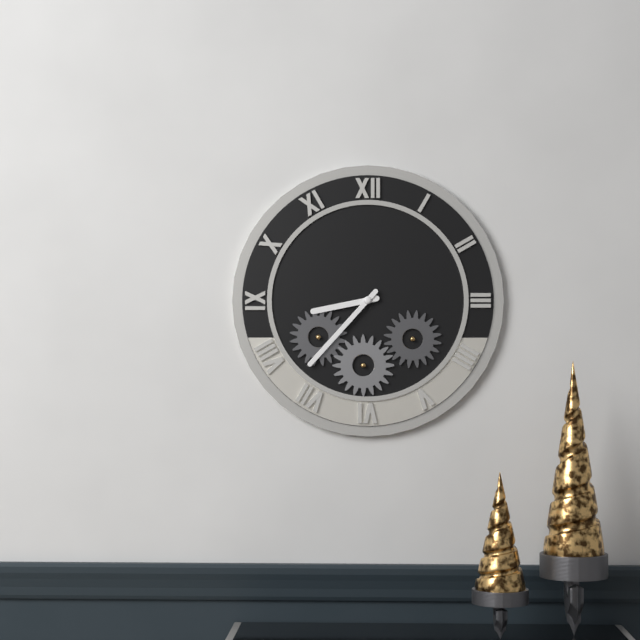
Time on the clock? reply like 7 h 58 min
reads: 8 h 37 min
